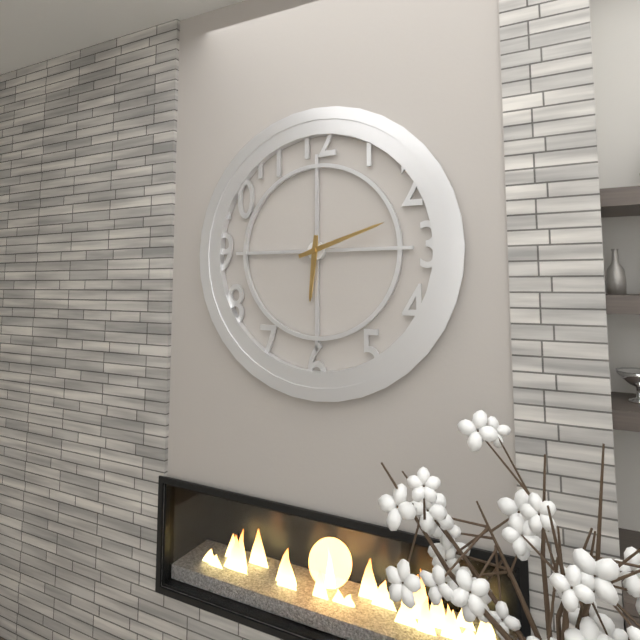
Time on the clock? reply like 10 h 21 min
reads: 6 h 12 min
